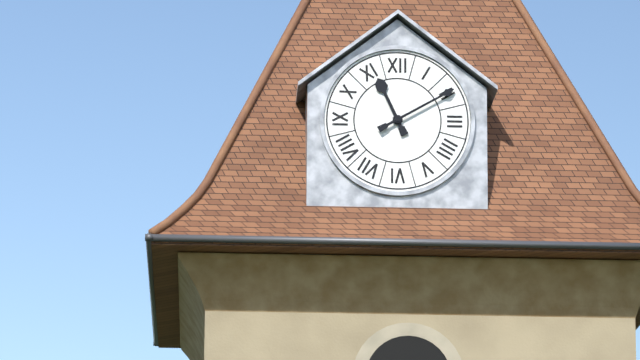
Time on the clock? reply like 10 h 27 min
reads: 11 h 10 min
